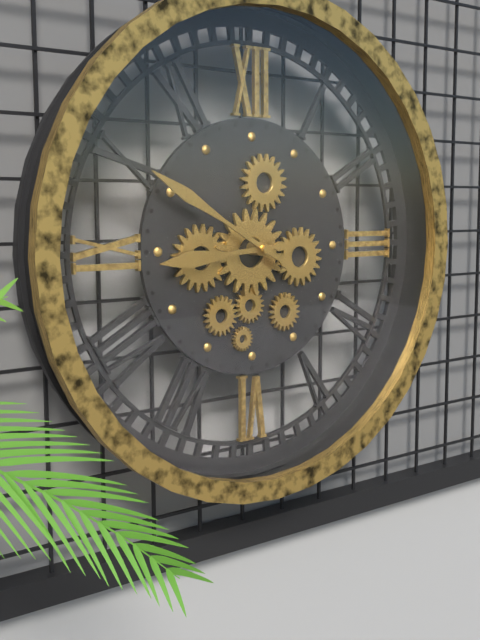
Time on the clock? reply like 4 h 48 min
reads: 8 h 50 min
